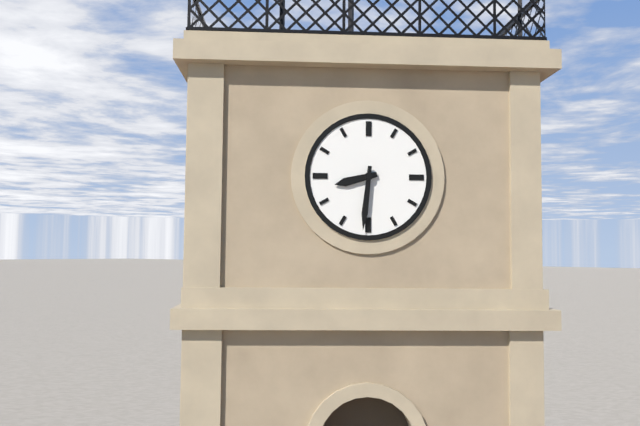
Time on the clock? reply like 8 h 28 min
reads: 8 h 31 min
